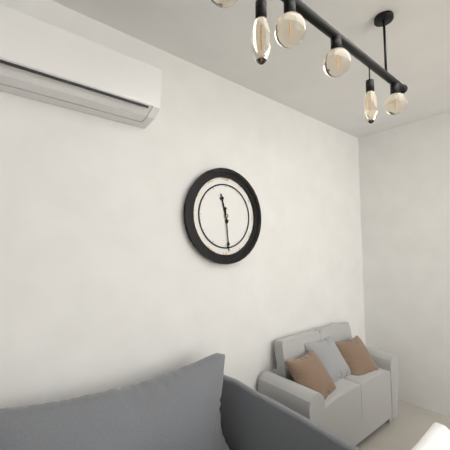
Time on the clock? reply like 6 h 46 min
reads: 11 h 29 min
